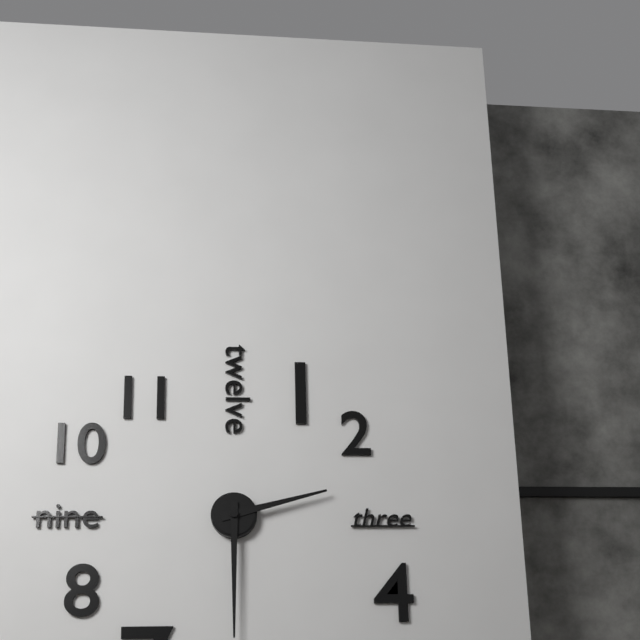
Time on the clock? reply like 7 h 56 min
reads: 2 h 30 min
